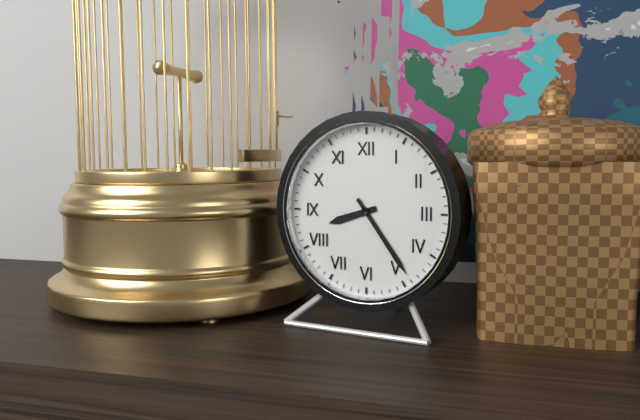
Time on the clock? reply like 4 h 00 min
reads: 8 h 24 min
